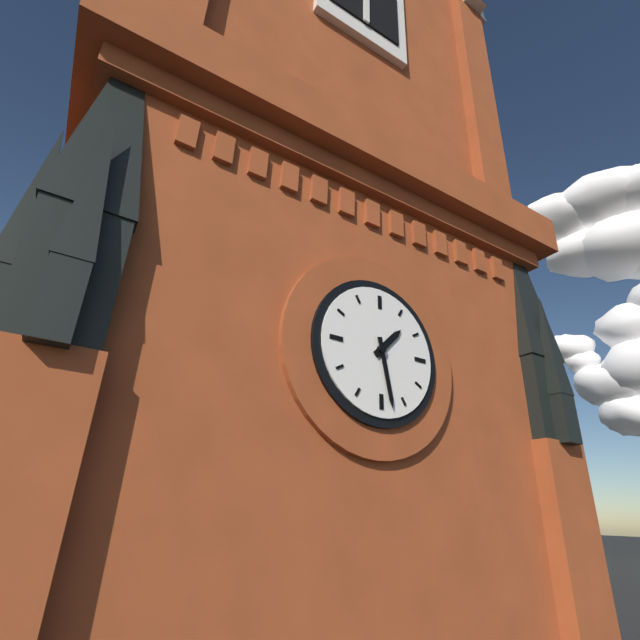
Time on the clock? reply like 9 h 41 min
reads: 1 h 28 min
